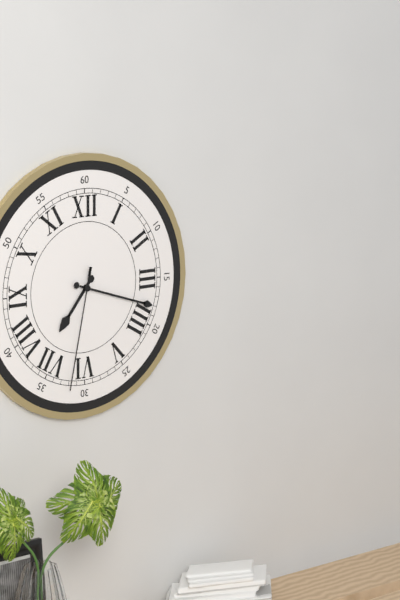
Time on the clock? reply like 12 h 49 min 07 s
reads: 7 h 18 min 32 s
